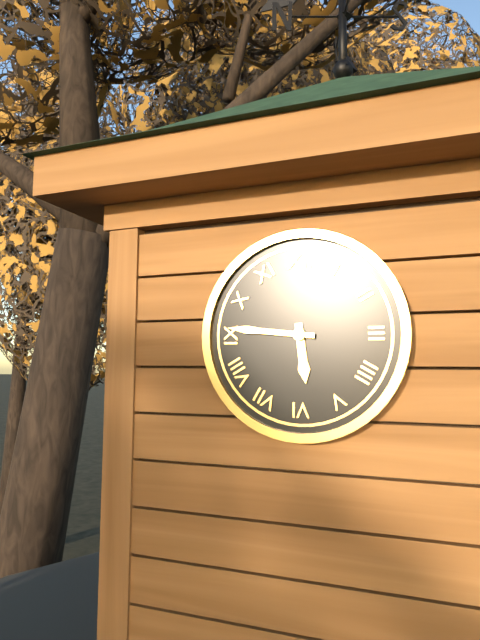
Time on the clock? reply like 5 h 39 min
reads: 5 h 46 min
